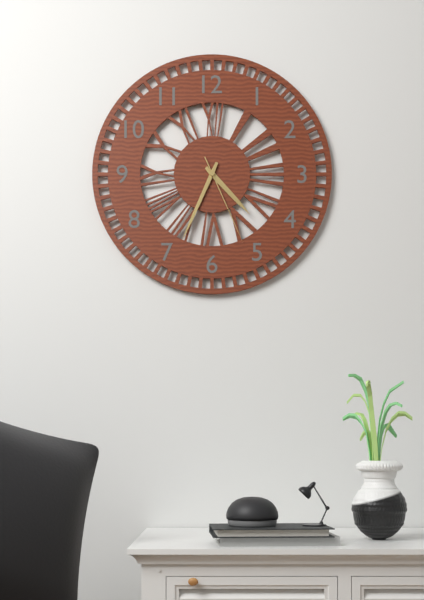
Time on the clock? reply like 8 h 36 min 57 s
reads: 4 h 34 min 26 s
